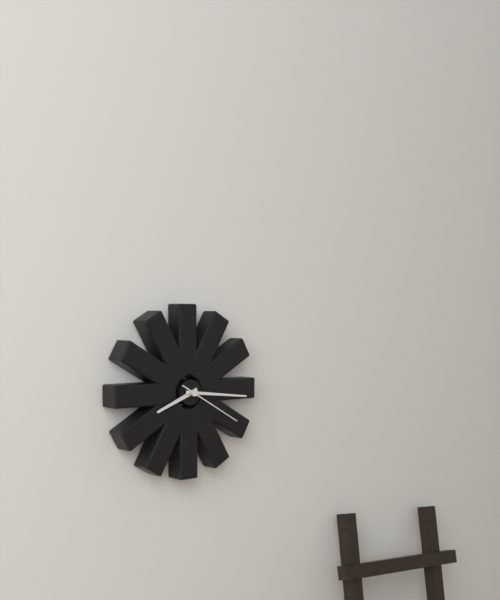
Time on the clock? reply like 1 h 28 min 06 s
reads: 8 h 16 min 20 s
